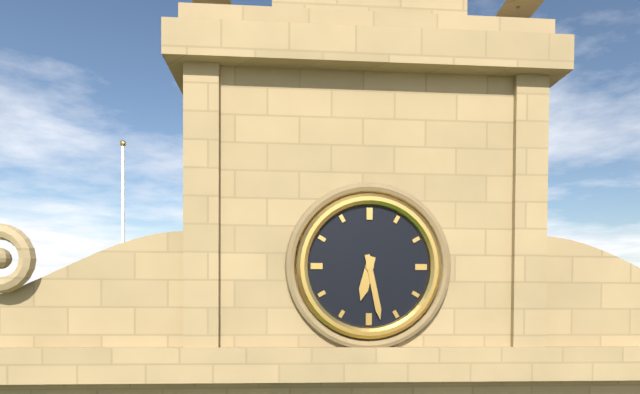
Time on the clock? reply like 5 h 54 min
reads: 6 h 28 min
